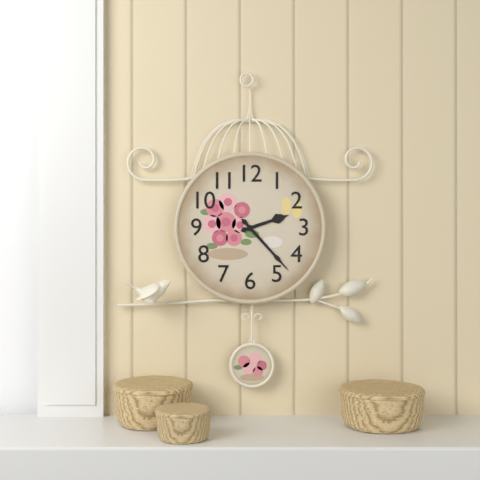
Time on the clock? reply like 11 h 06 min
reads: 2 h 23 min
